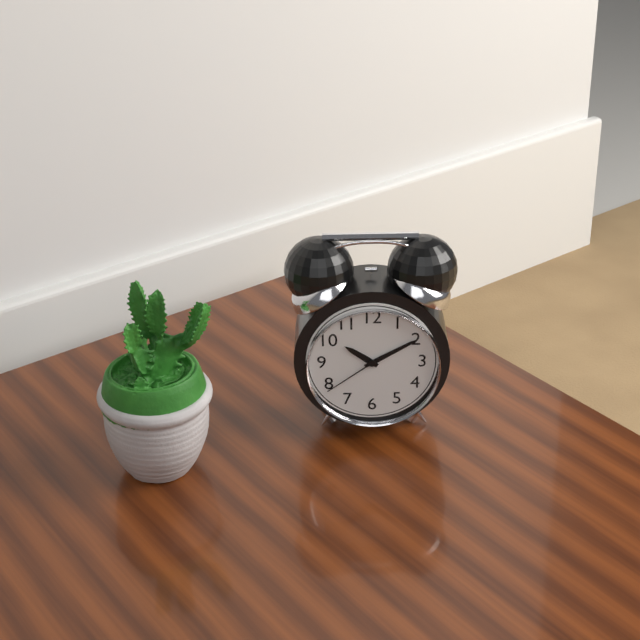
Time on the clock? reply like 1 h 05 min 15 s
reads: 10 h 10 min 39 s
